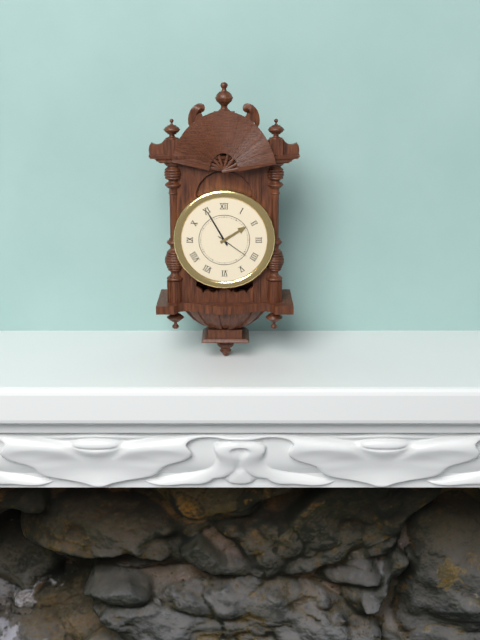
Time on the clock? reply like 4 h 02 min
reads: 1 h 55 min
